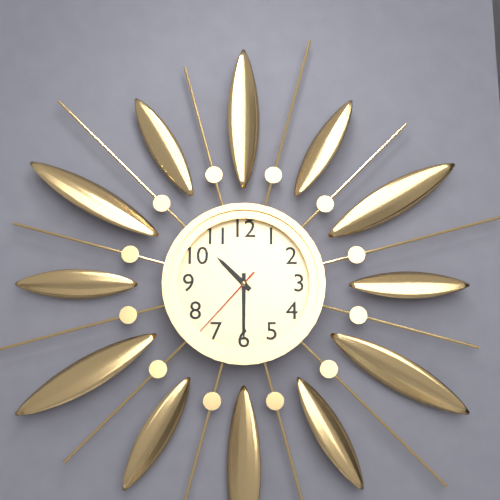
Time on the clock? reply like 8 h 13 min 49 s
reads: 10 h 30 min 37 s
